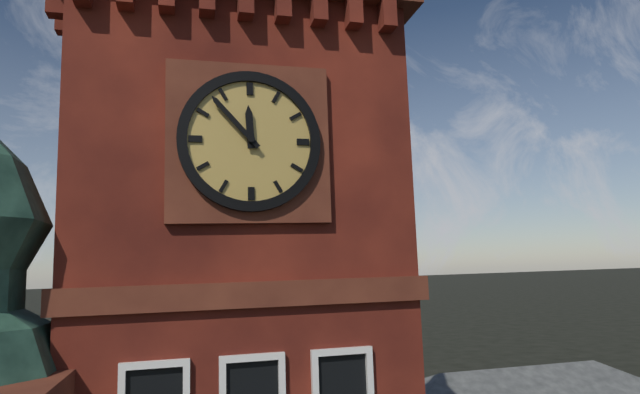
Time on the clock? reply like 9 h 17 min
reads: 11 h 53 min
